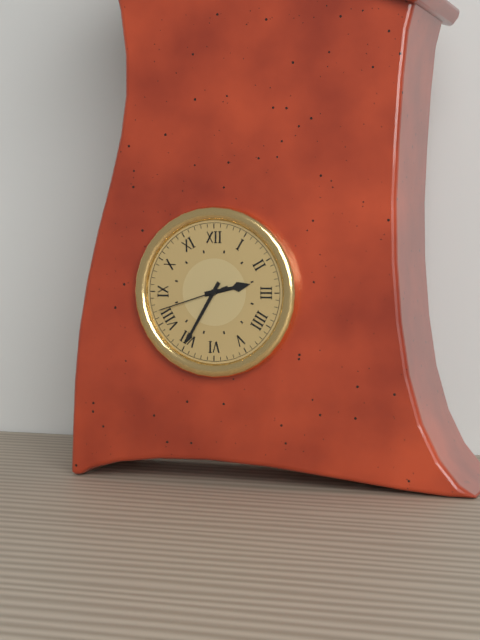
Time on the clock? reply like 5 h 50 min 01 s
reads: 2 h 35 min 42 s
